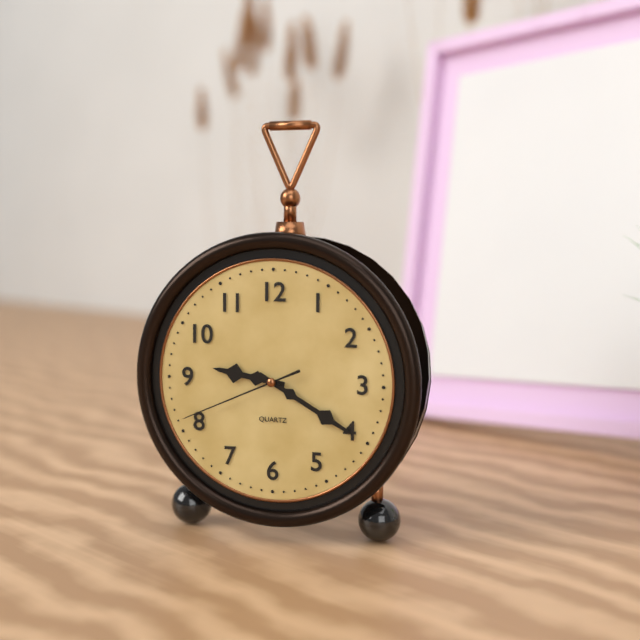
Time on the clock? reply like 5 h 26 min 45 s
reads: 9 h 20 min 41 s
